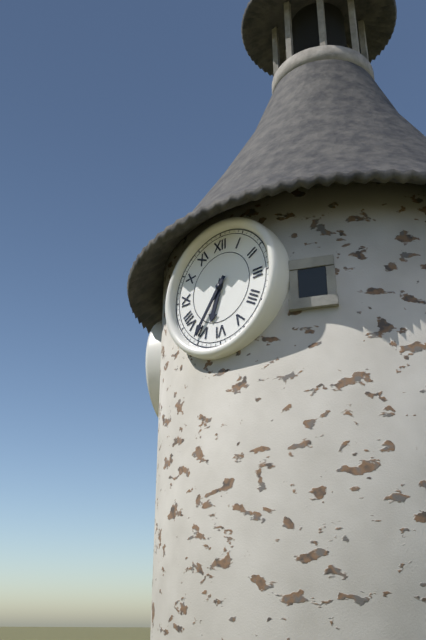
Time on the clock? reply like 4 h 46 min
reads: 6 h 36 min
